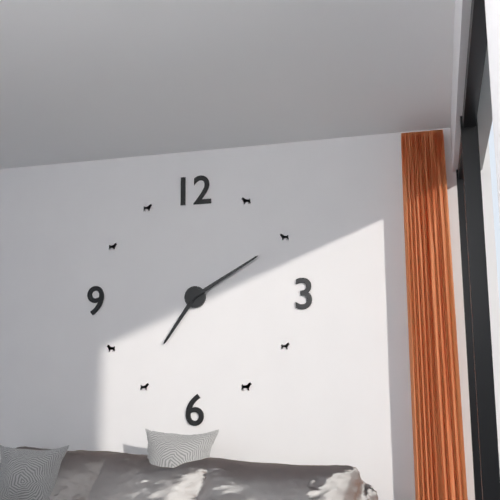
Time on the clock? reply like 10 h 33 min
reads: 7 h 10 min
